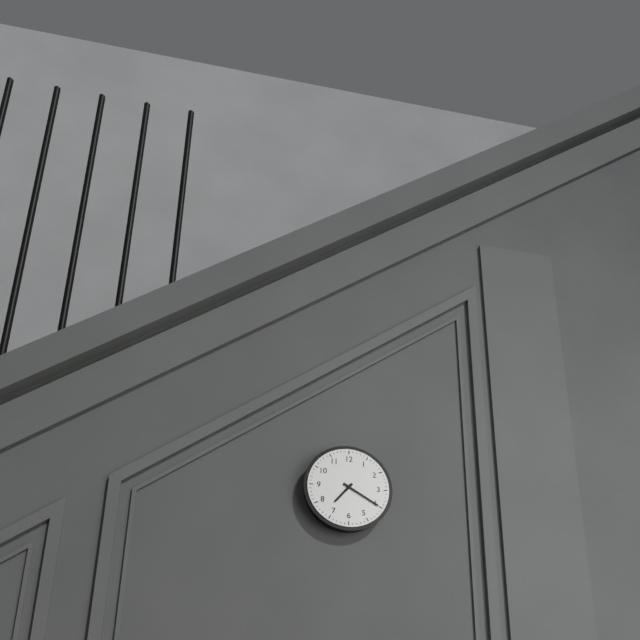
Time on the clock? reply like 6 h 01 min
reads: 7 h 20 min
